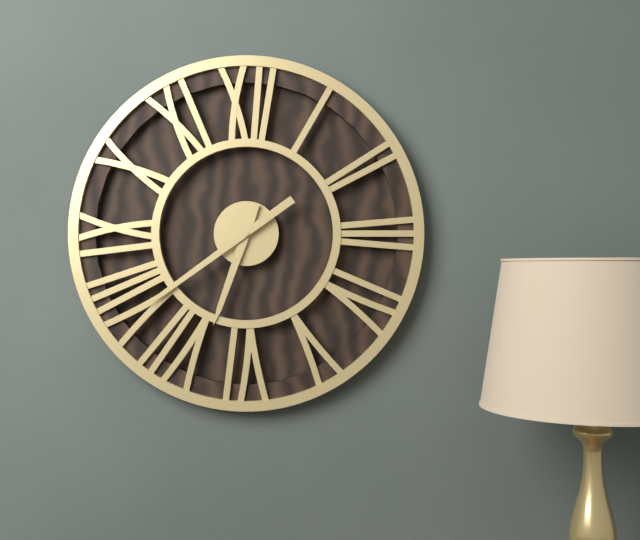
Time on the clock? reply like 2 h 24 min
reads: 6 h 39 min
